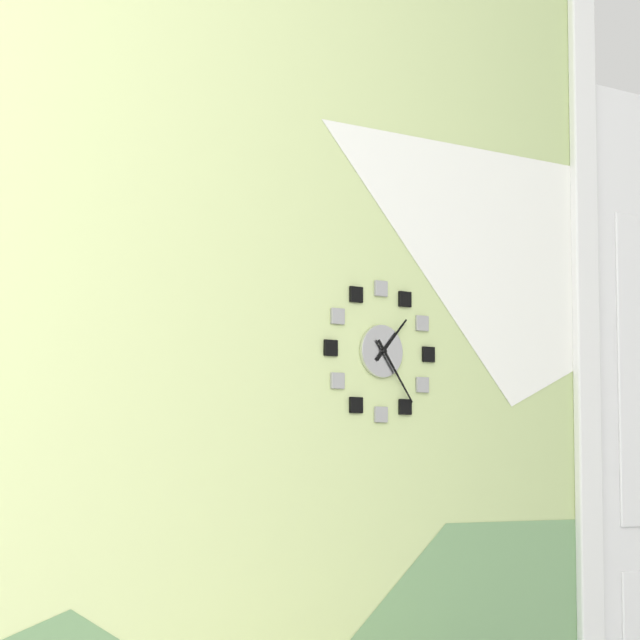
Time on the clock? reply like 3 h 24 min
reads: 1 h 24 min
